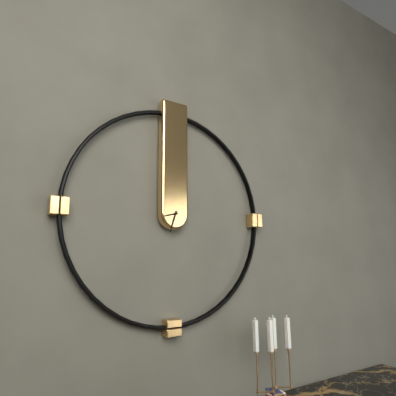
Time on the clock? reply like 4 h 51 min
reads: 8 h 33 min
